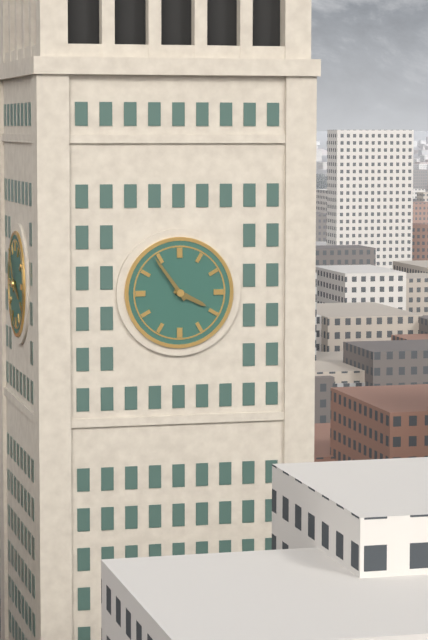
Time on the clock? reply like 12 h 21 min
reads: 3 h 54 min
